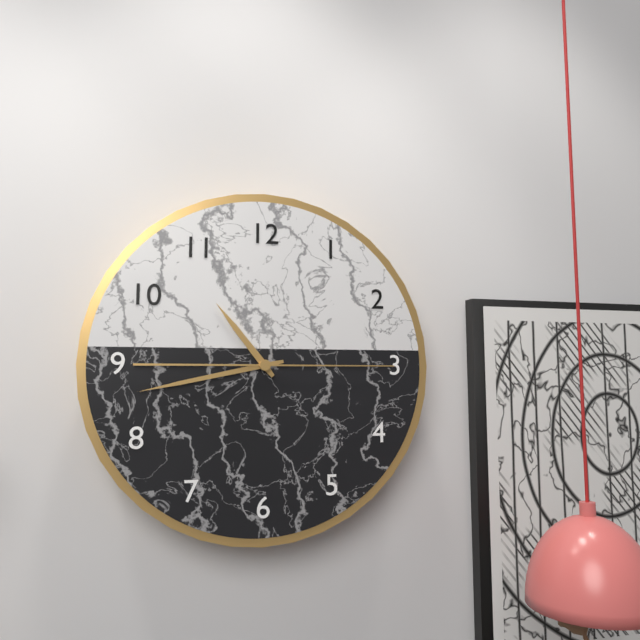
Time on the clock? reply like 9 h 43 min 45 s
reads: 10 h 43 min 15 s
